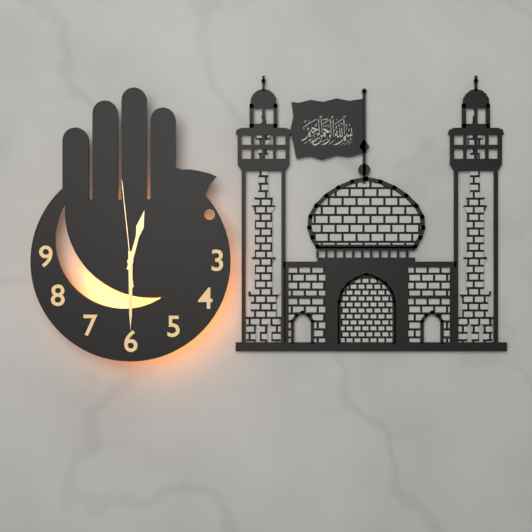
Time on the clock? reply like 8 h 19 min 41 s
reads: 12 h 30 min 59 s
